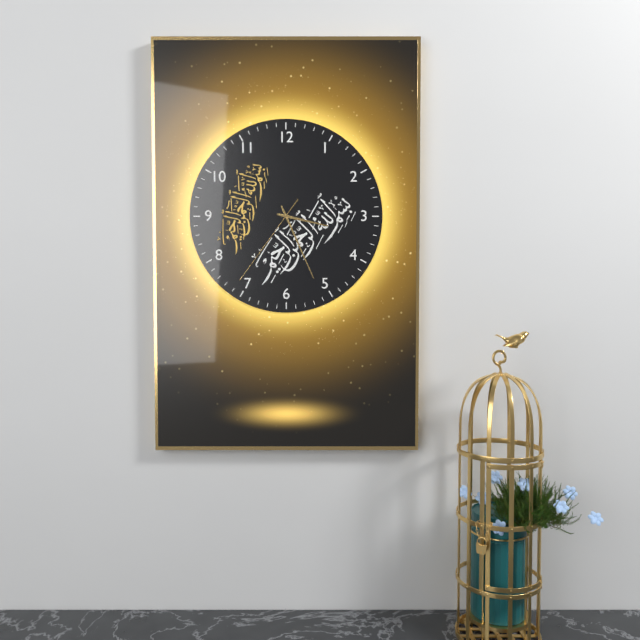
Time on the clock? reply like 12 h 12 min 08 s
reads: 3 h 26 min 36 s
